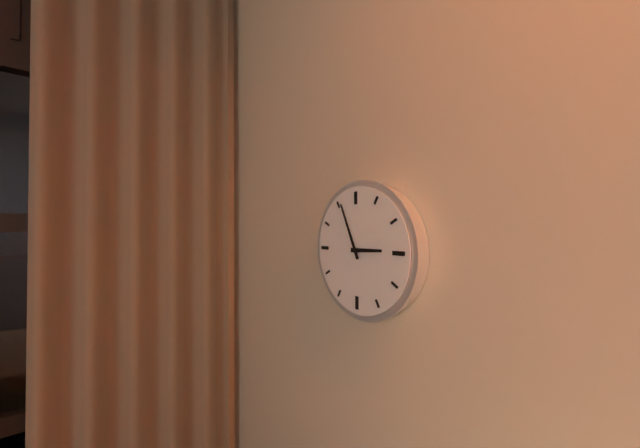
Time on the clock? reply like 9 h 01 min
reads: 2 h 56 min
